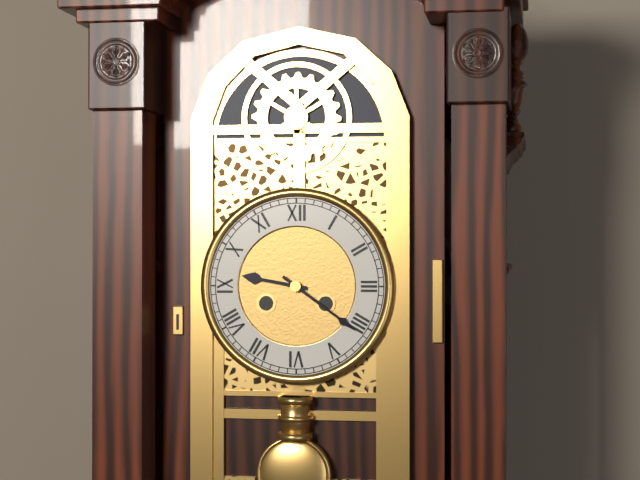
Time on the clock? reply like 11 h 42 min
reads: 9 h 21 min
